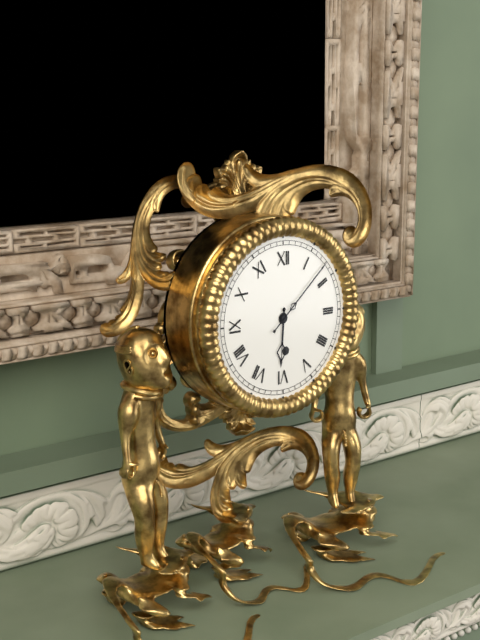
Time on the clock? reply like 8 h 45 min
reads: 6 h 08 min
